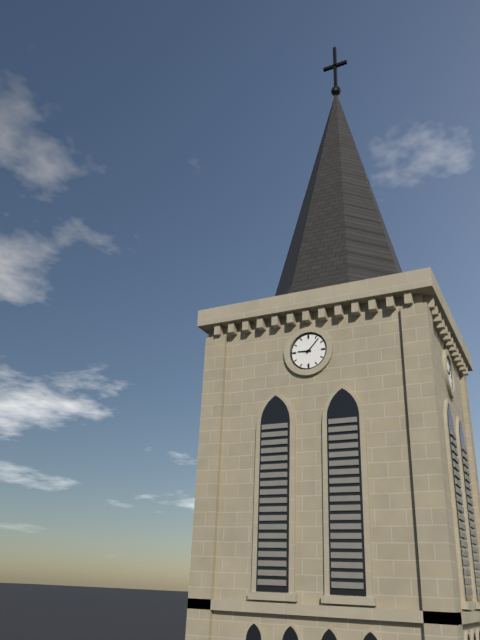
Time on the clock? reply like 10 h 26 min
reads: 9 h 07 min
